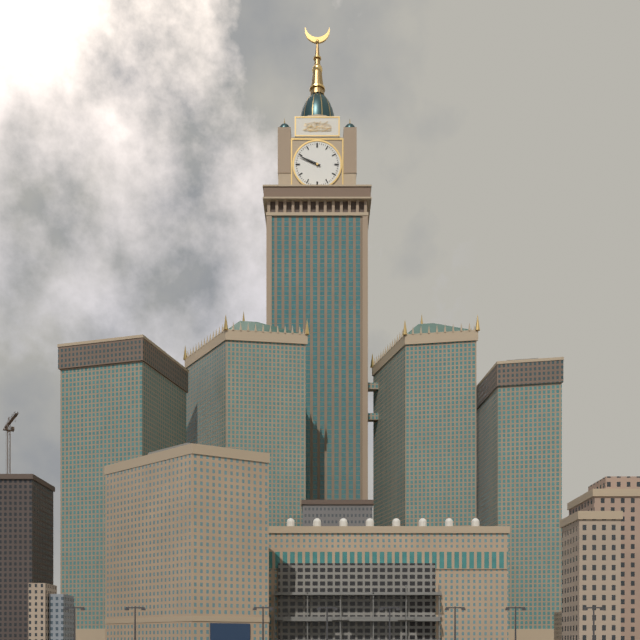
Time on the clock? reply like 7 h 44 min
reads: 9 h 49 min
